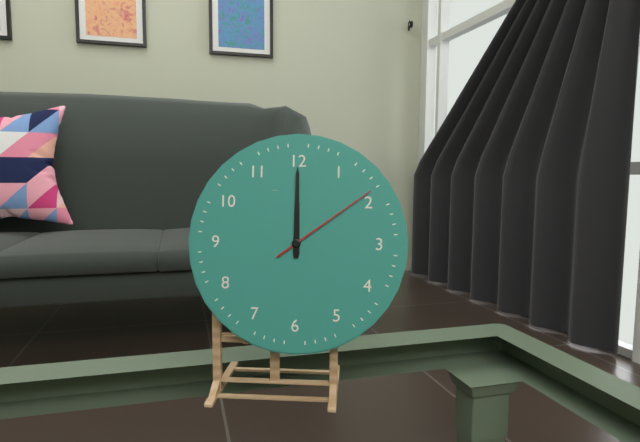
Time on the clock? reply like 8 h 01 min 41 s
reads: 12 h 00 min 09 s
